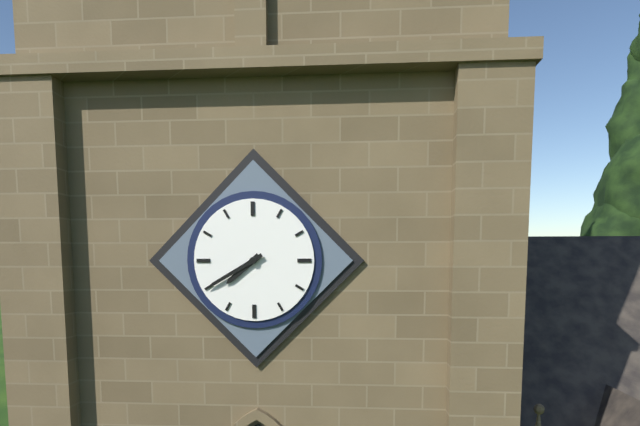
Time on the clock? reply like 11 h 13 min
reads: 7 h 40 min
